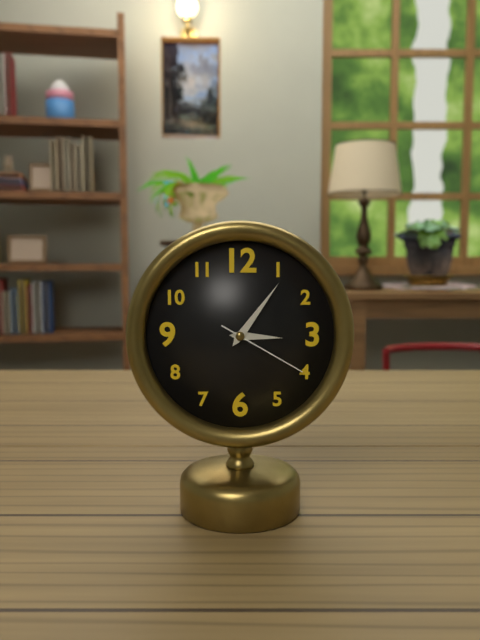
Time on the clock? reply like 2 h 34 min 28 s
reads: 3 h 06 min 20 s
